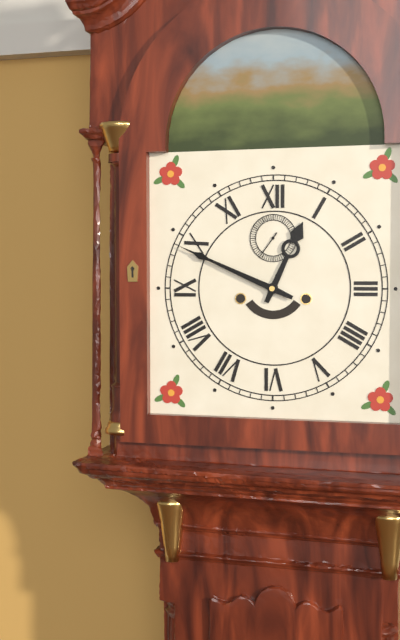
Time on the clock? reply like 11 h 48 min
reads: 12 h 49 min
